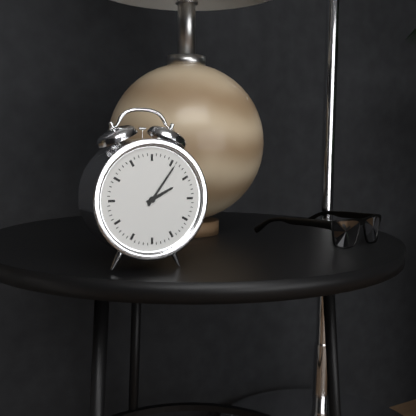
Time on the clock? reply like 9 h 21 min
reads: 2 h 06 min
